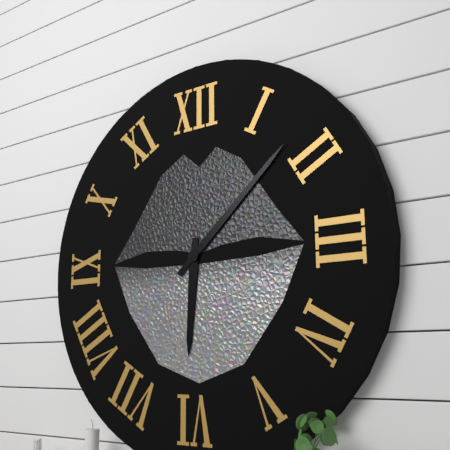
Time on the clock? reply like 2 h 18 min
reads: 6 h 08 min
